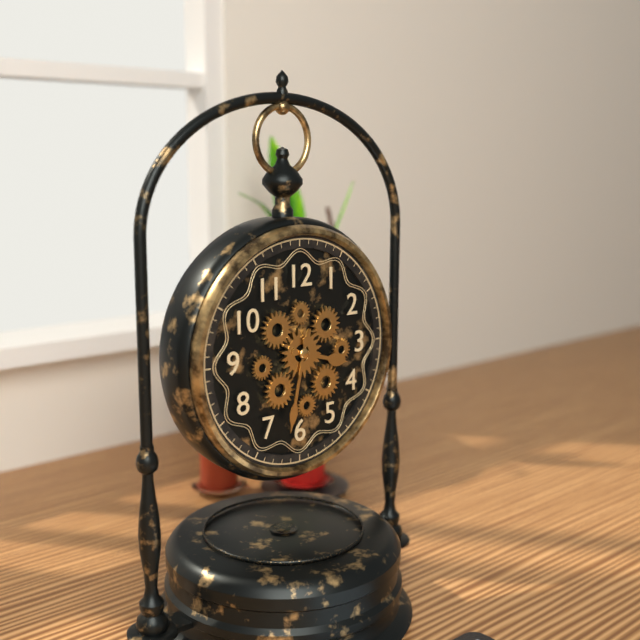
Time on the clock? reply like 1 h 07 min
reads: 3 h 32 min
